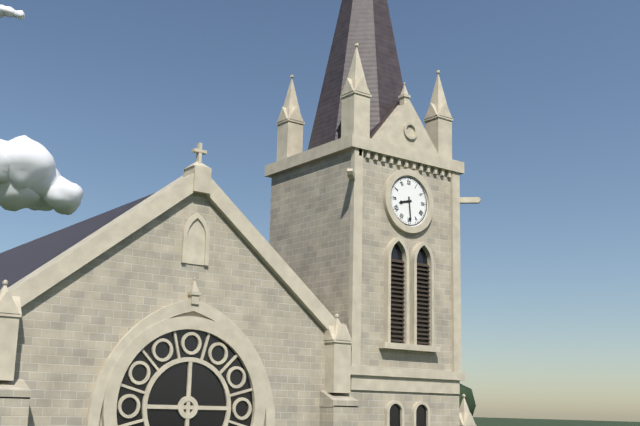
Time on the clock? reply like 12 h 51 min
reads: 8 h 29 min
